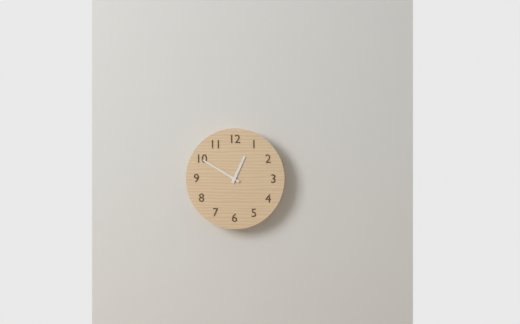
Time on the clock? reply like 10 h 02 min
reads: 12 h 50 min
